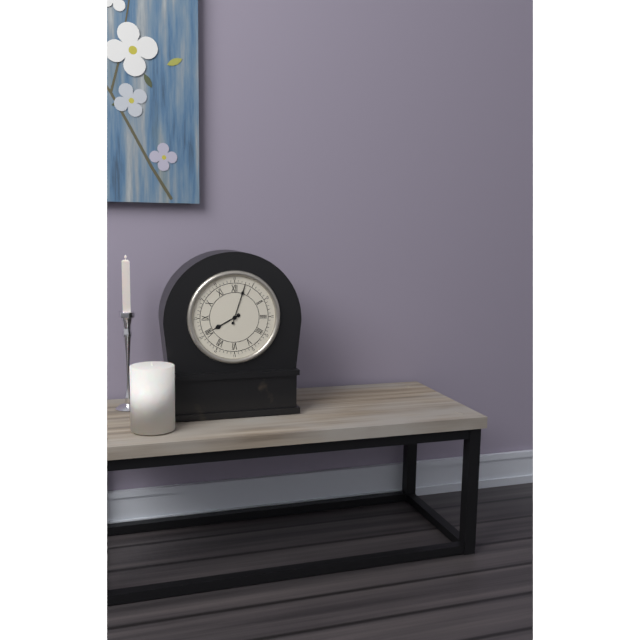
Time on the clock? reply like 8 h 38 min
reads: 8 h 03 min
